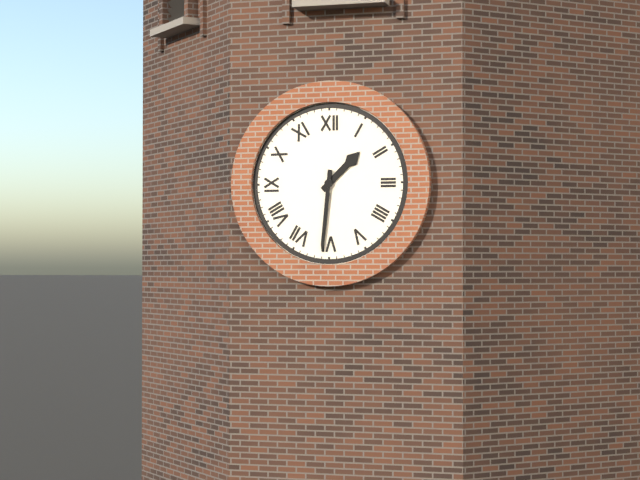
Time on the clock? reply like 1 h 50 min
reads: 1 h 31 min
